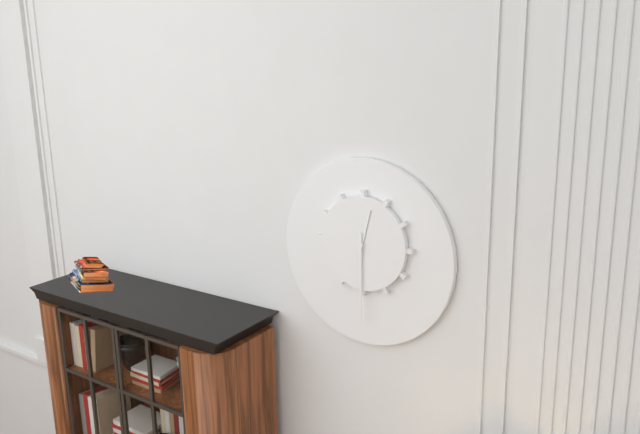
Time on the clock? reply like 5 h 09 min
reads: 12 h 30 min
